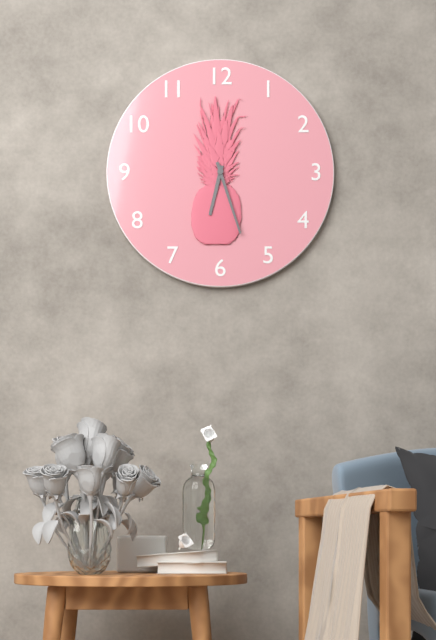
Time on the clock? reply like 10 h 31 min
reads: 6 h 27 min
